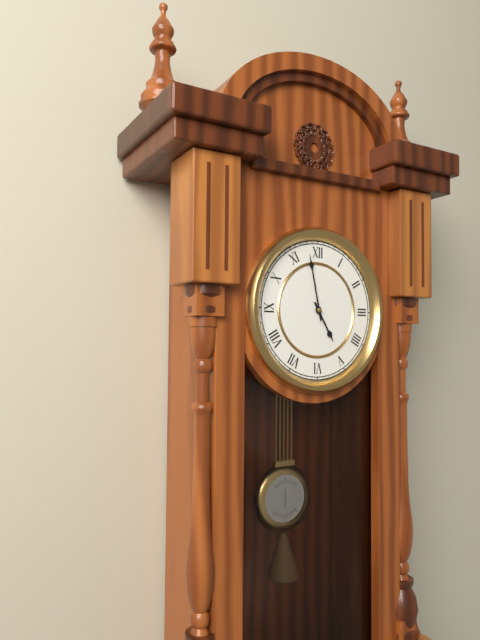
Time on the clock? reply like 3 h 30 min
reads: 4 h 58 min
